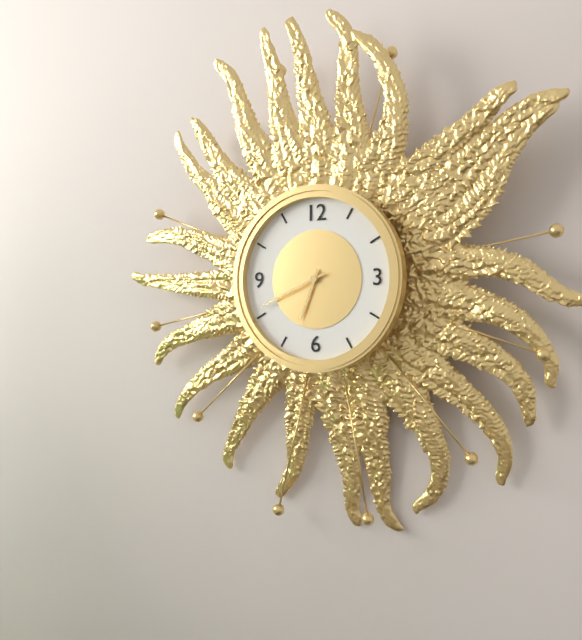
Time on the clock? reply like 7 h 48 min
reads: 6 h 41 min
